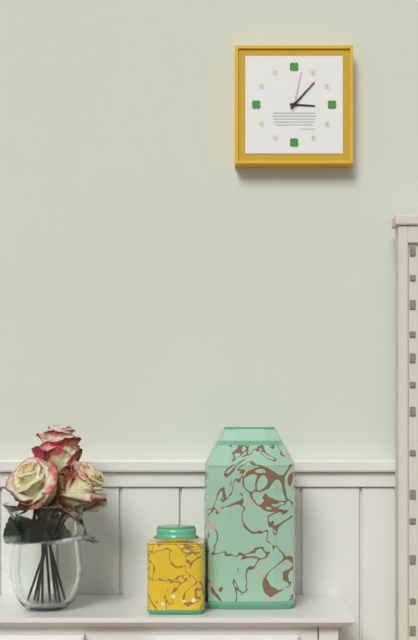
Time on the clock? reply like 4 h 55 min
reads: 3 h 07 min
